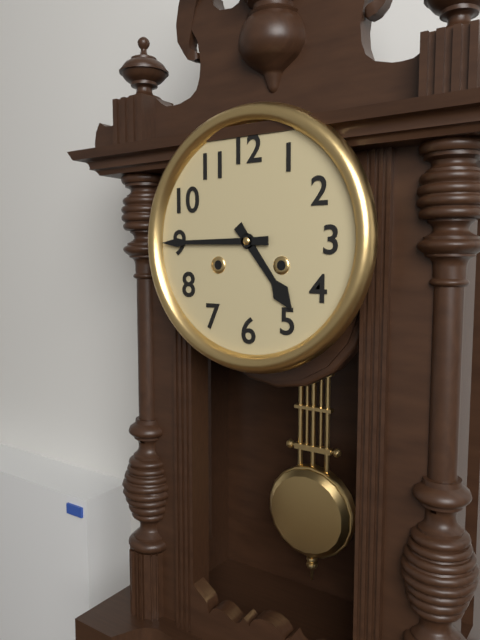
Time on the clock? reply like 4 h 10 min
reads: 4 h 45 min
